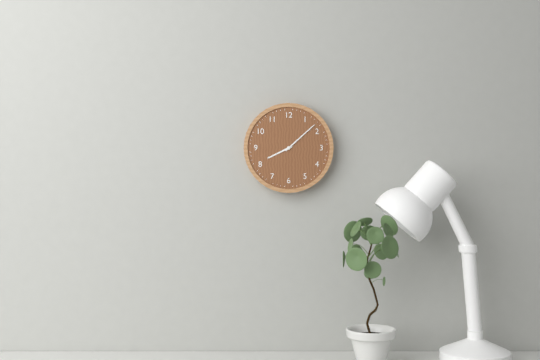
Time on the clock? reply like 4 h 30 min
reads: 8 h 08 min
